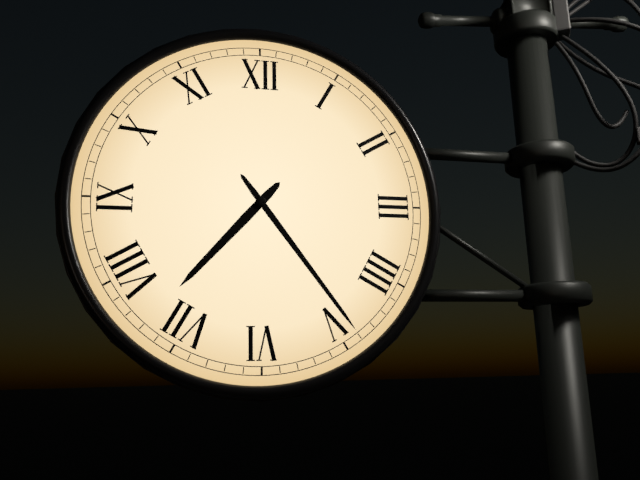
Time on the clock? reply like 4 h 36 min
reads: 7 h 24 min
